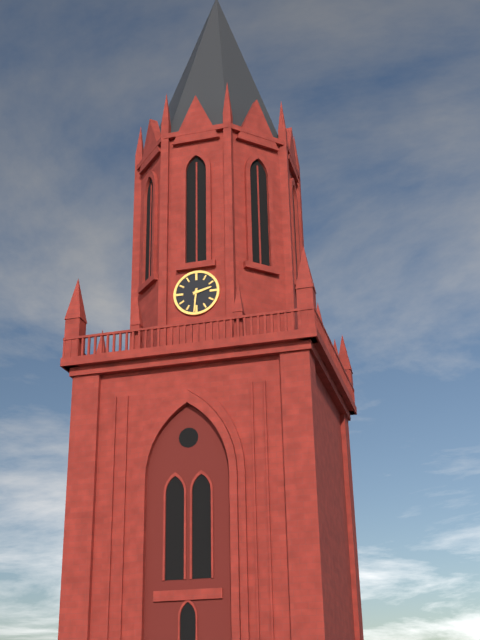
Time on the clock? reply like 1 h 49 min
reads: 2 h 31 min
